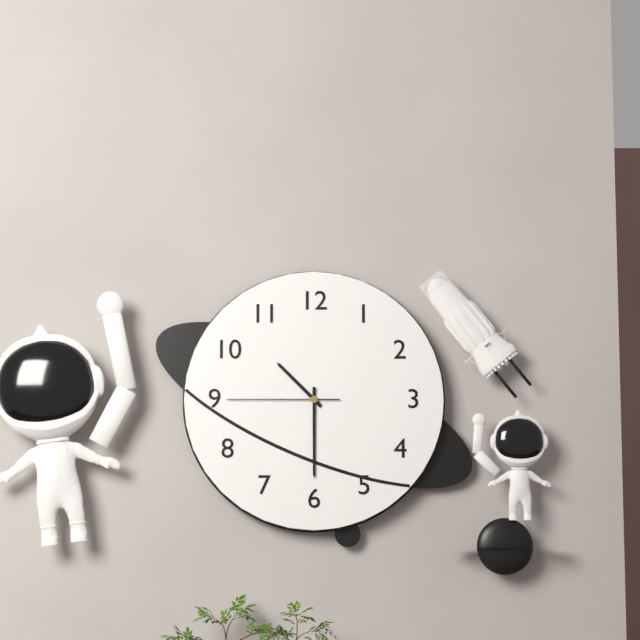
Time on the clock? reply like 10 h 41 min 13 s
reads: 10 h 30 min 45 s
